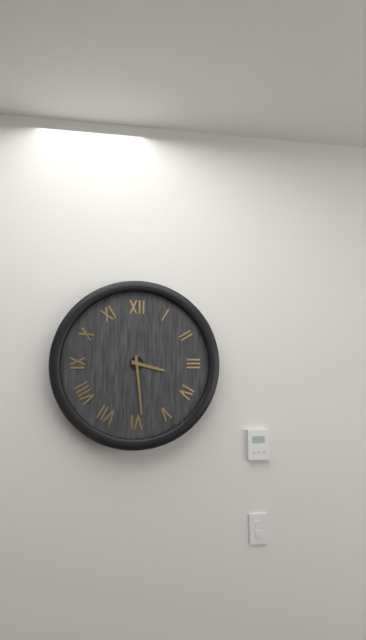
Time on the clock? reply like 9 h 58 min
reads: 3 h 29 min
